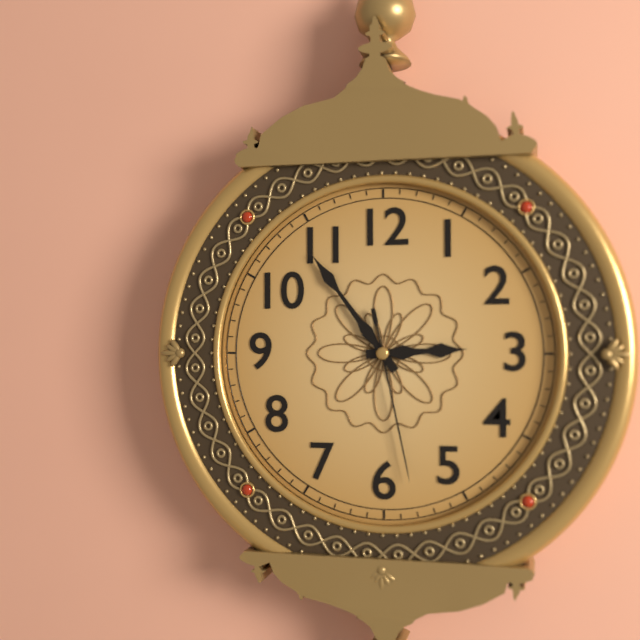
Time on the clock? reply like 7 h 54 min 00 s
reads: 2 h 54 min 28 s
